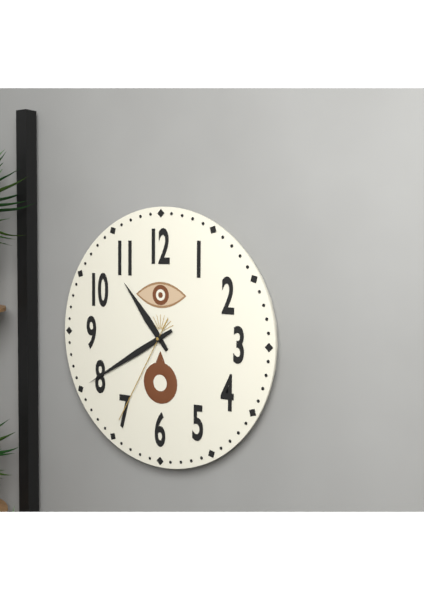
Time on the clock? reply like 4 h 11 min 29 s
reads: 10 h 40 min 35 s
